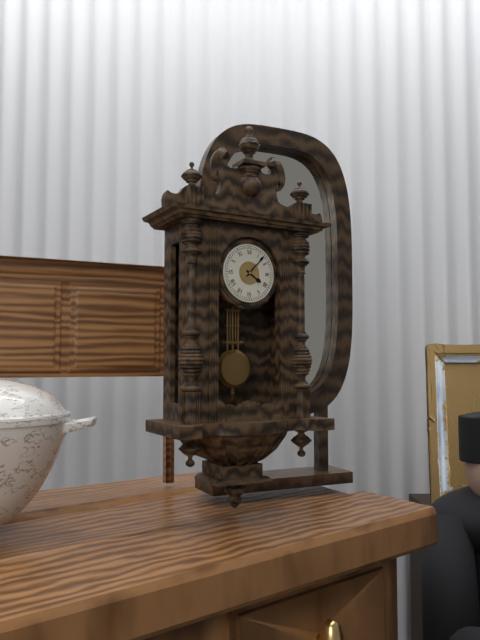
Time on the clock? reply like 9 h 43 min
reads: 4 h 07 min
